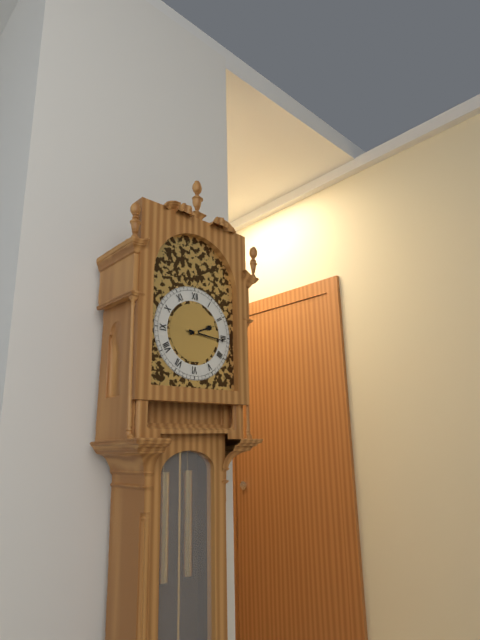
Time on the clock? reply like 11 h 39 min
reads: 2 h 16 min
